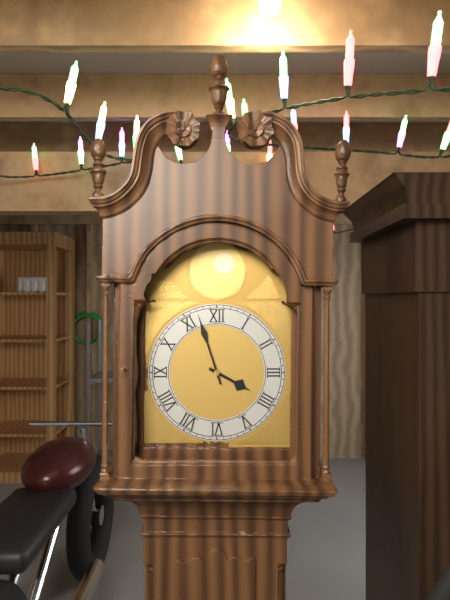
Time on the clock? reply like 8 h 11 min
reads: 3 h 57 min
